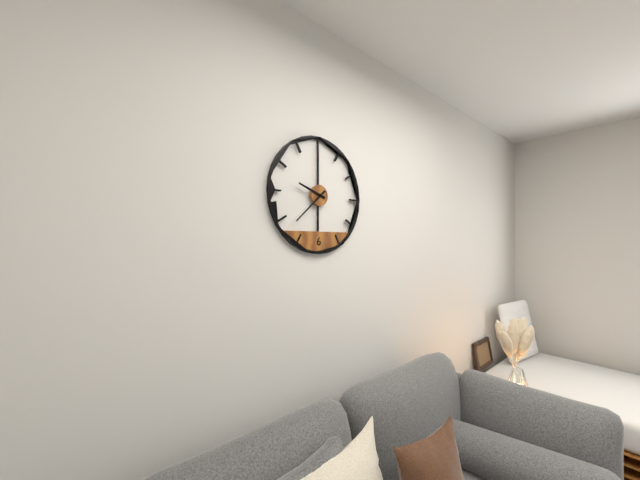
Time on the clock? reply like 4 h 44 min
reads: 9 h 38 min
